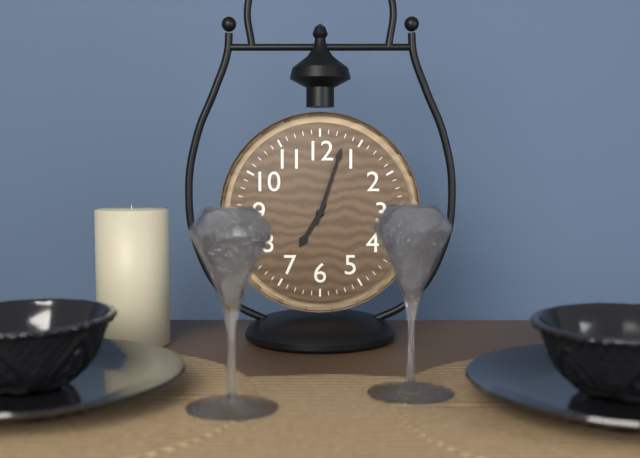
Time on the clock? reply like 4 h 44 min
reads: 7 h 03 min
